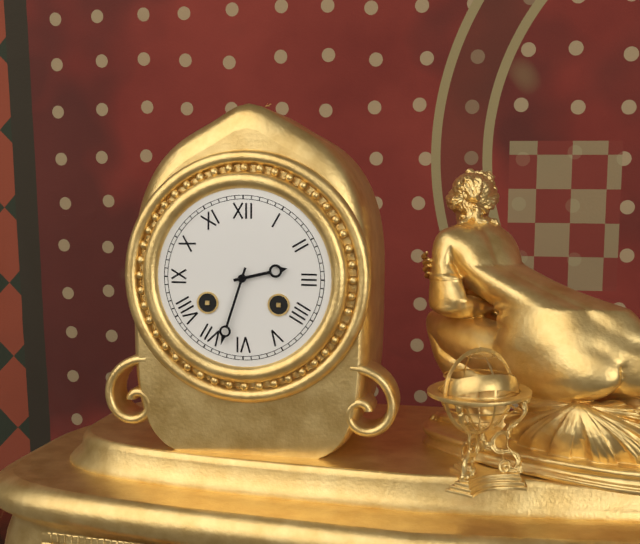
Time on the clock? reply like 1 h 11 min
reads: 2 h 33 min
